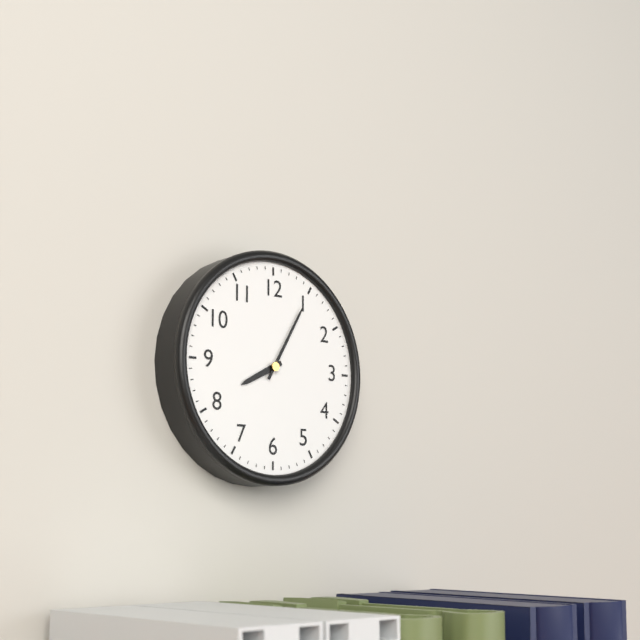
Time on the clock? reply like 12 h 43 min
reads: 8 h 05 min
